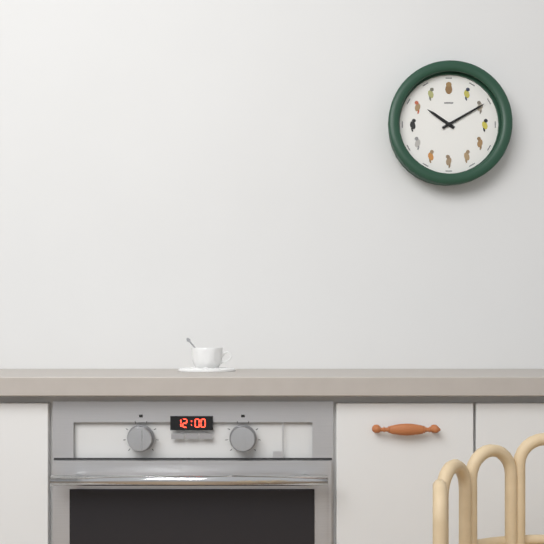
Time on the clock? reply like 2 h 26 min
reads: 10 h 10 min
